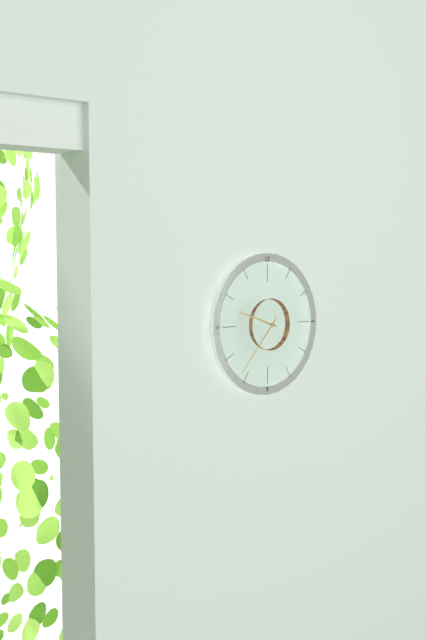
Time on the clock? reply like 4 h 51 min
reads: 9 h 37 min
